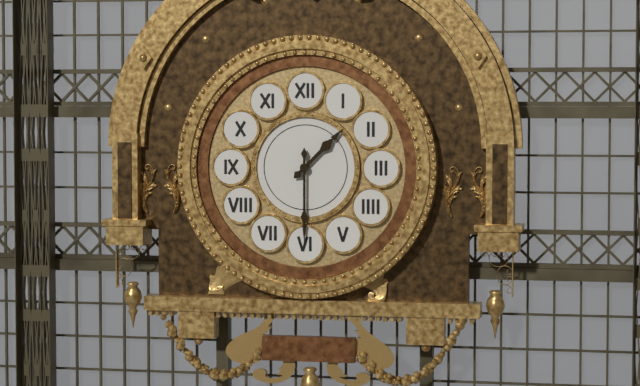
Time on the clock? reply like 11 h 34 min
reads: 1 h 30 min
